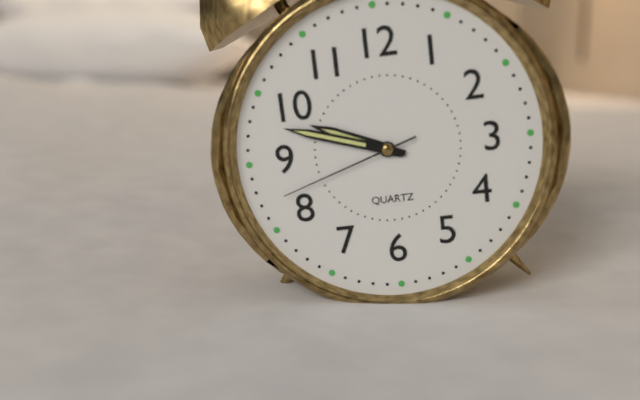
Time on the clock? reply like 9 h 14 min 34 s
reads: 9 h 48 min 42 s
